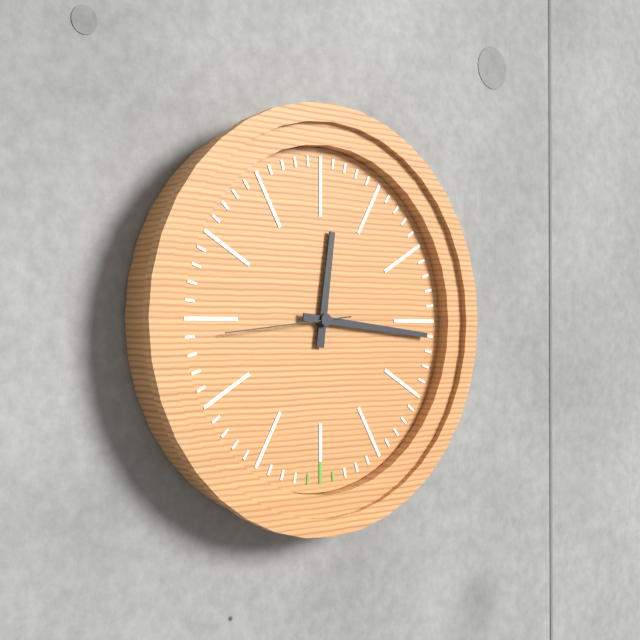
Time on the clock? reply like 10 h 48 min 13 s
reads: 12 h 16 min 44 s
